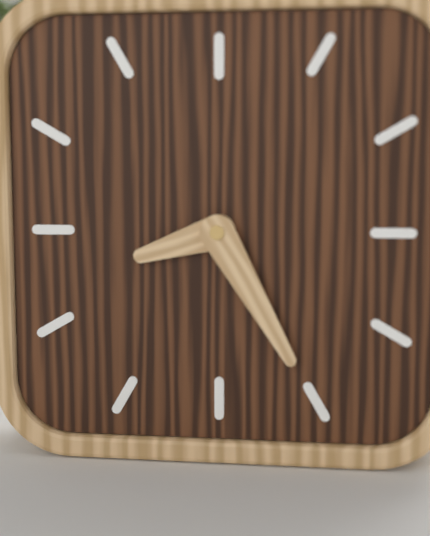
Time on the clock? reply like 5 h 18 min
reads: 8 h 25 min
